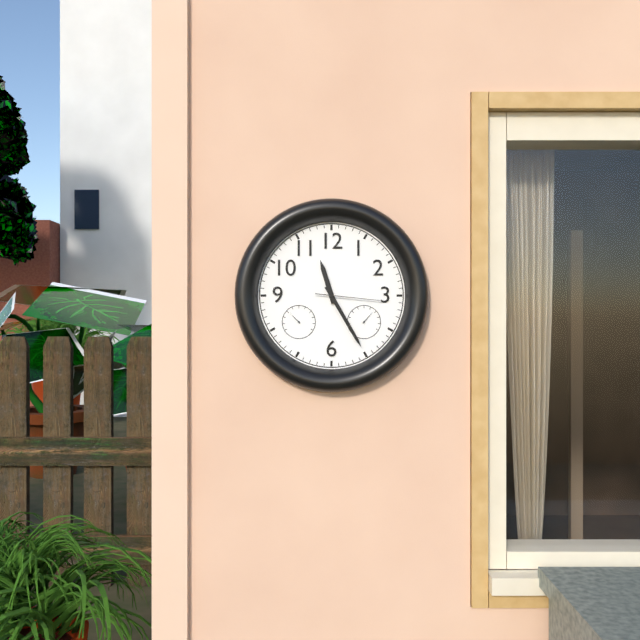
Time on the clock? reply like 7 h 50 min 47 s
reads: 11 h 25 min 16 s
